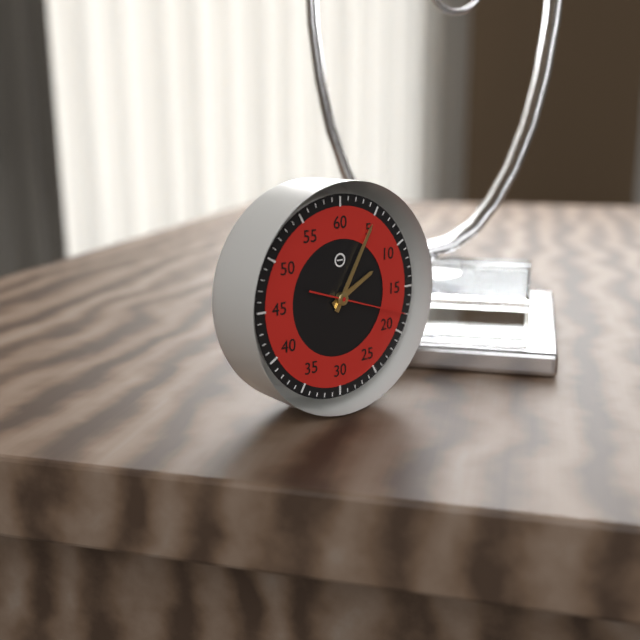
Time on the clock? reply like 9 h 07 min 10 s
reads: 2 h 05 min 18 s
